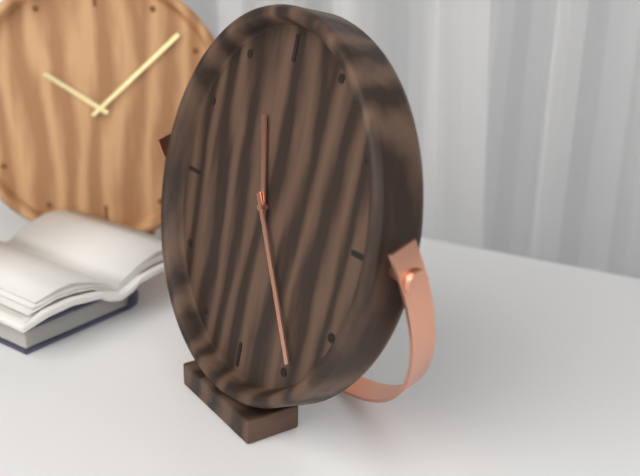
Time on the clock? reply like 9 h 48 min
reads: 11 h 24 min
